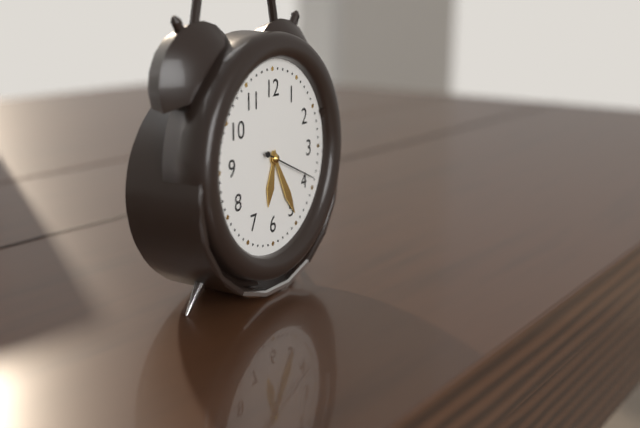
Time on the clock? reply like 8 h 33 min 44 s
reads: 6 h 25 min 19 s
